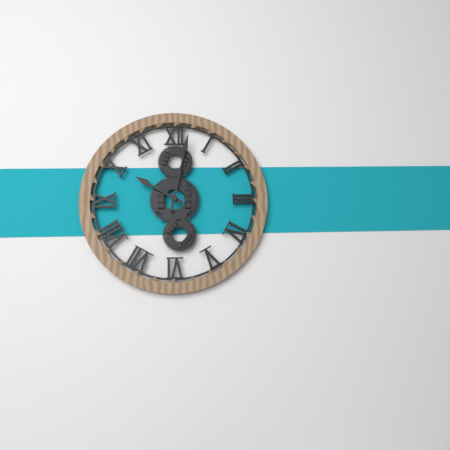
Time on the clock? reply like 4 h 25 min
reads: 10 h 02 min
